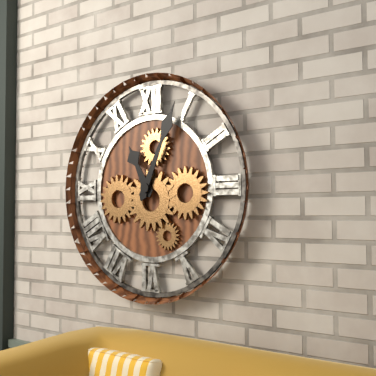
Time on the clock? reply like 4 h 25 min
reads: 11 h 04 min
